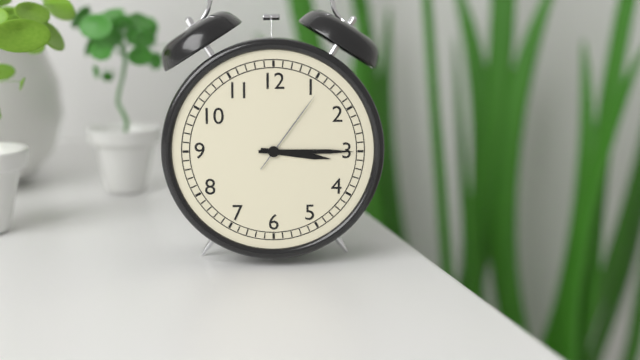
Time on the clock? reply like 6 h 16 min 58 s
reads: 3 h 15 min 06 s
